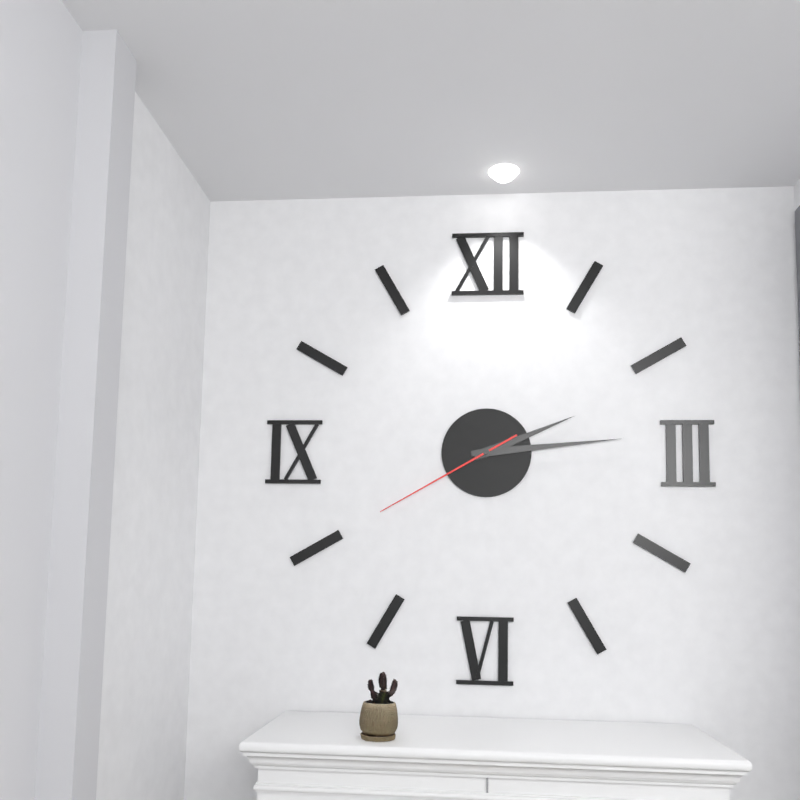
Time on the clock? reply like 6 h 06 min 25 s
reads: 2 h 14 min 40 s
